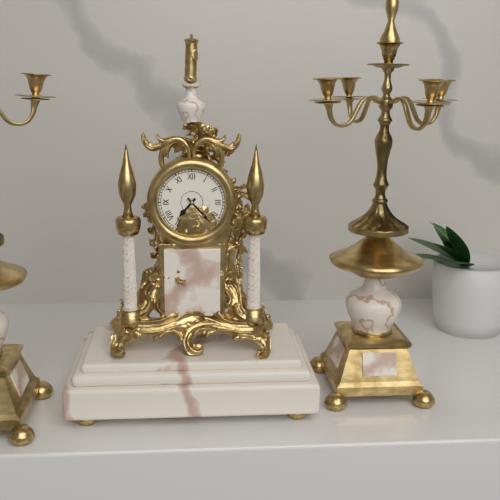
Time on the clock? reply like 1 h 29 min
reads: 7 h 23 min
